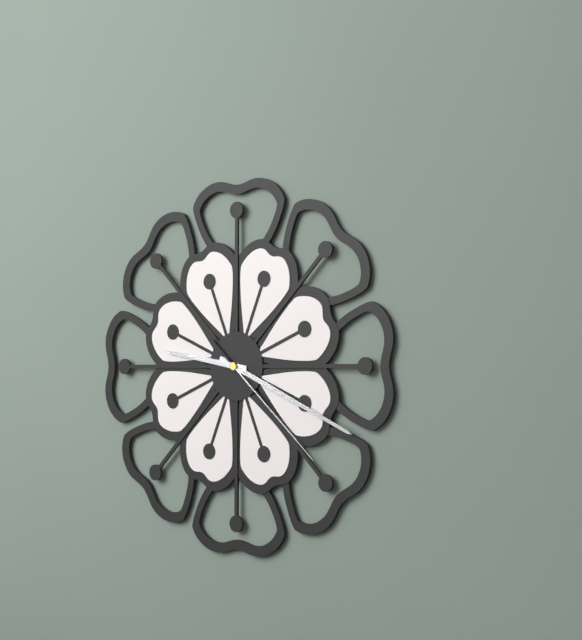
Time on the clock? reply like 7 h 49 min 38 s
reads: 9 h 19 min 22 s
